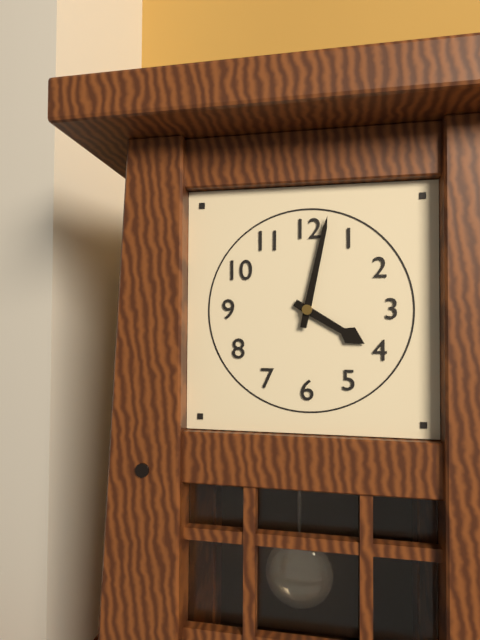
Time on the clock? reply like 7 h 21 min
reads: 4 h 02 min
